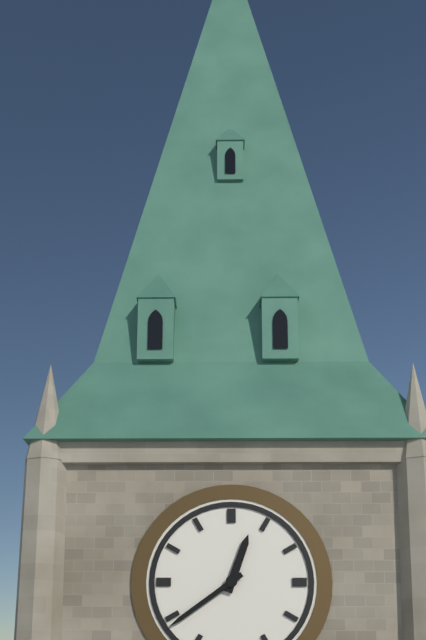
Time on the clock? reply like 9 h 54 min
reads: 12 h 39 min
